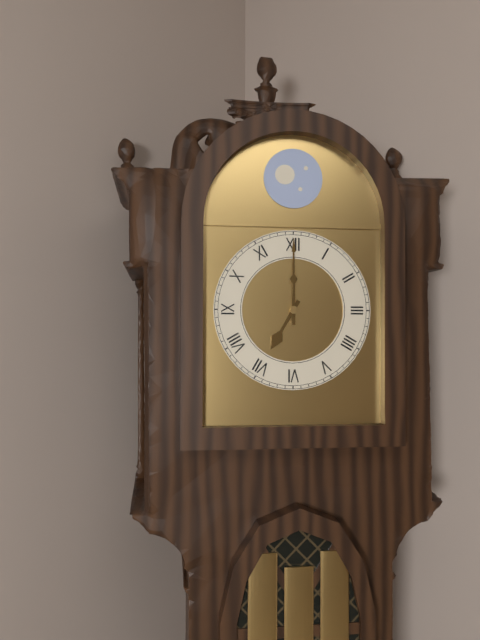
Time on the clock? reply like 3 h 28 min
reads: 7 h 00 min
